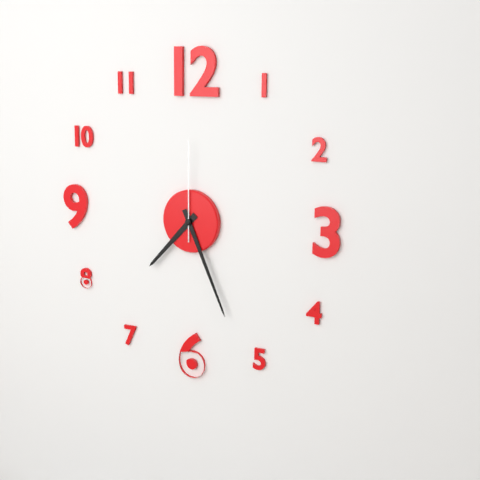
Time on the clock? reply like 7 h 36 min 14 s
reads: 7 h 26 min 00 s
